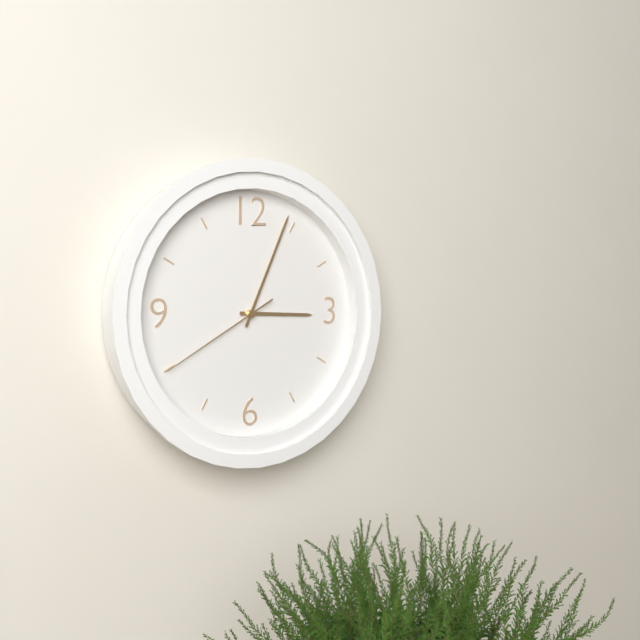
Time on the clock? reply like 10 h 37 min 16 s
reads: 3 h 04 min 40 s
